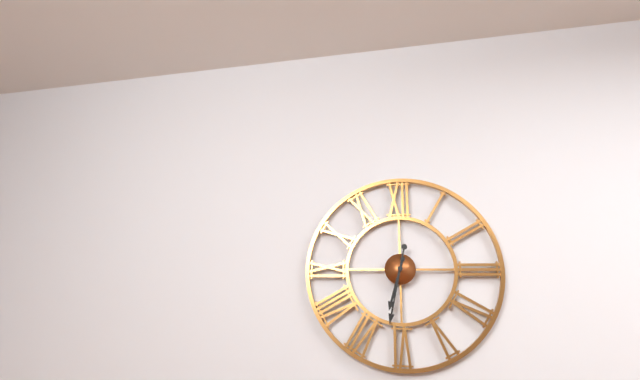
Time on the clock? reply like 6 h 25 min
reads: 6 h 32 min
